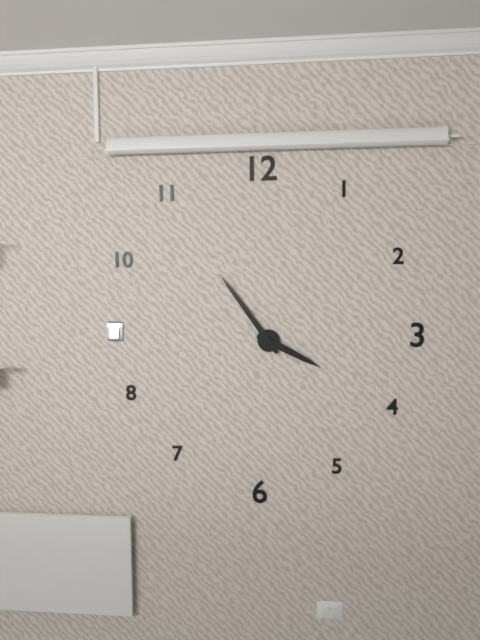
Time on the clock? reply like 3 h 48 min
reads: 3 h 54 min
